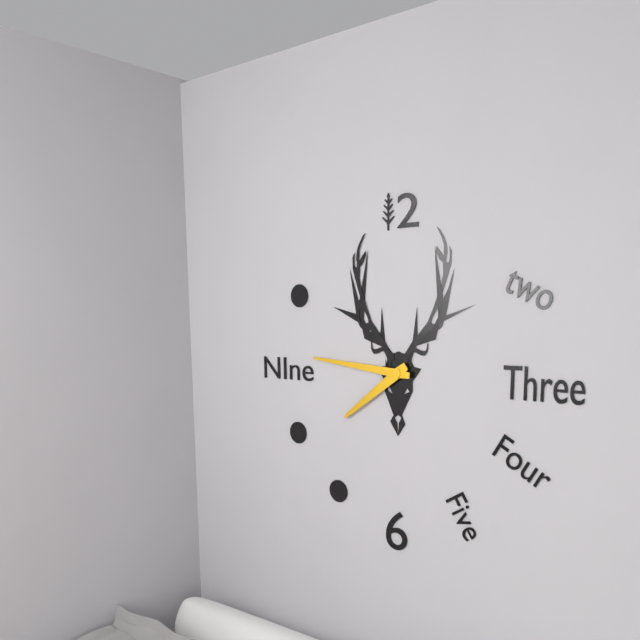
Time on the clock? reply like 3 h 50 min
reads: 7 h 46 min
